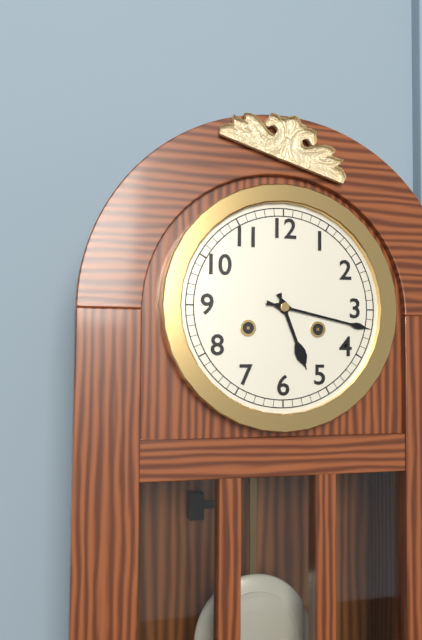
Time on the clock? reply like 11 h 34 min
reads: 5 h 17 min
